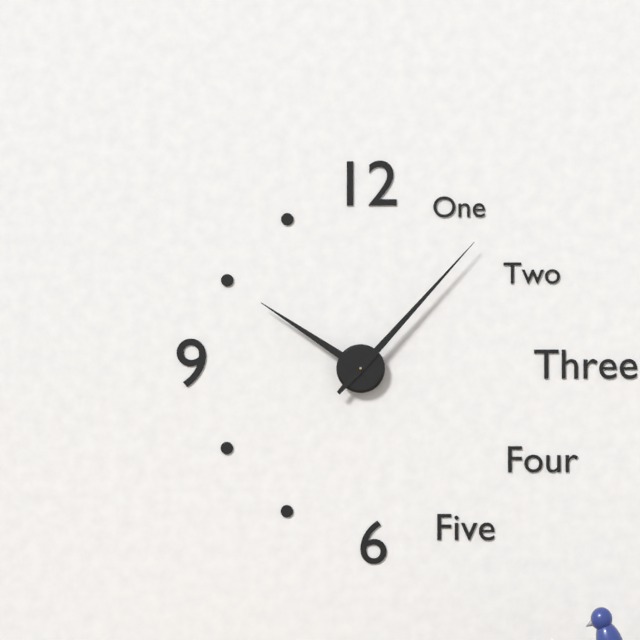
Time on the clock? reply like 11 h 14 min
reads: 10 h 07 min
